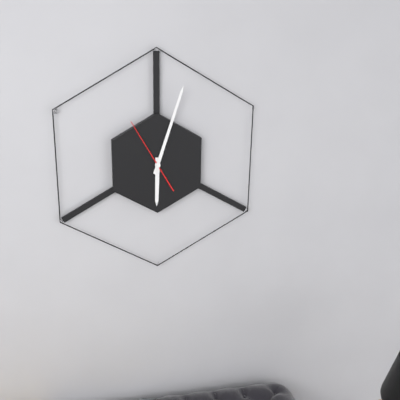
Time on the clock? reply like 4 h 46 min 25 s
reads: 6 h 03 min 55 s
